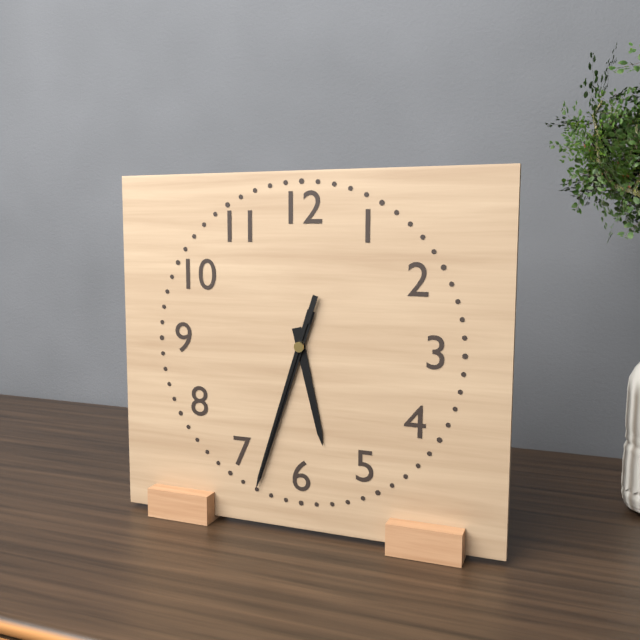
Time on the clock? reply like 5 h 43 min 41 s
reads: 5 h 33 min 33 s
